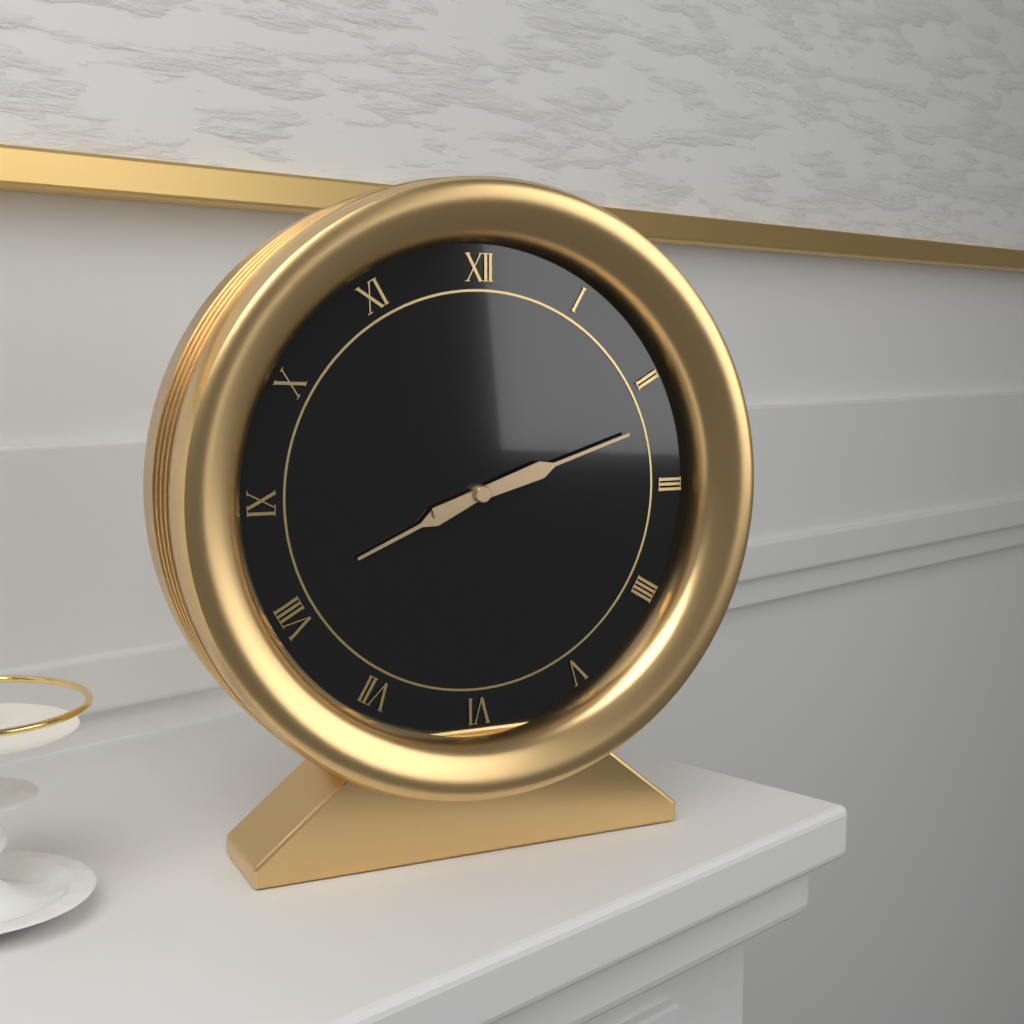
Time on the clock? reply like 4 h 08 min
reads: 8 h 12 min
